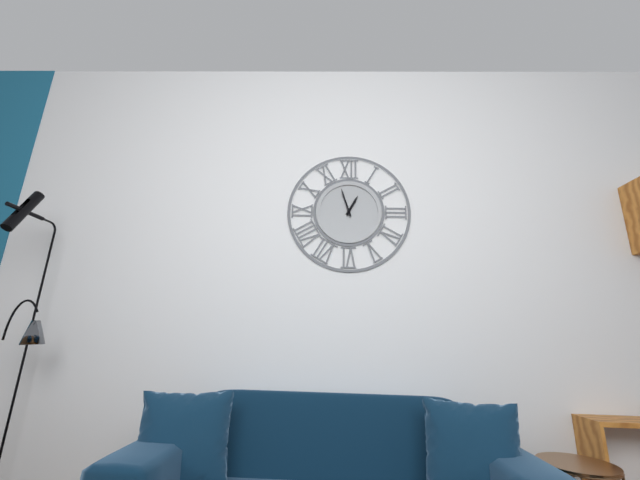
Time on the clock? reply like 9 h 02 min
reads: 12 h 57 min
